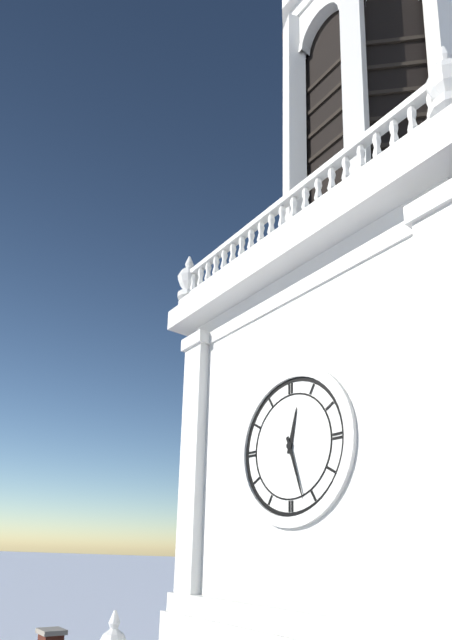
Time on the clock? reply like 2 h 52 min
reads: 12 h 27 min
